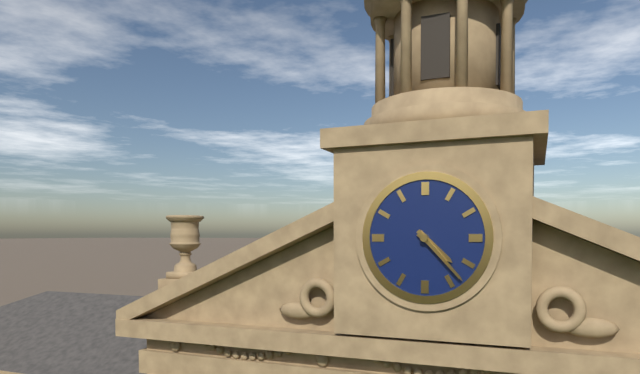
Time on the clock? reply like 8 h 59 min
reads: 4 h 23 min
